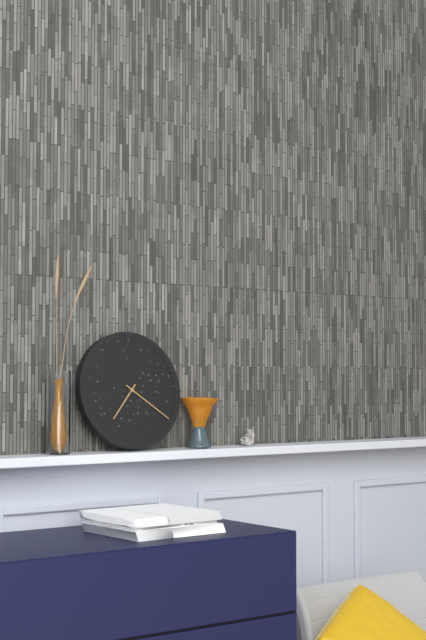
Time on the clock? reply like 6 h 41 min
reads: 7 h 21 min
